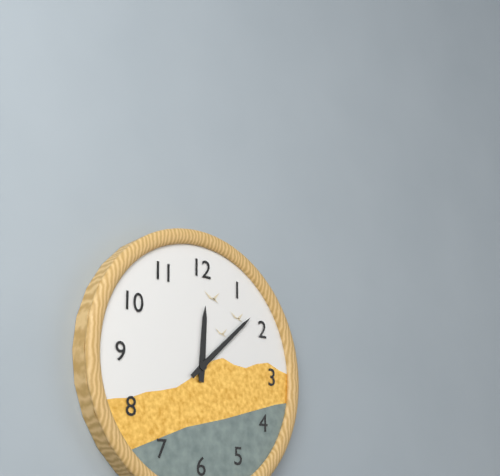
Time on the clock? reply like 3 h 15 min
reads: 12 h 08 min
